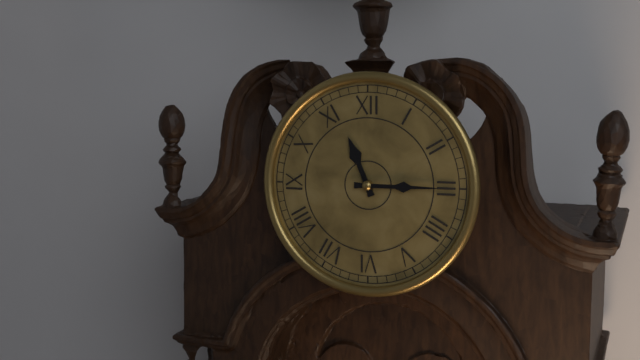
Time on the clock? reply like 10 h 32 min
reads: 11 h 15 min
